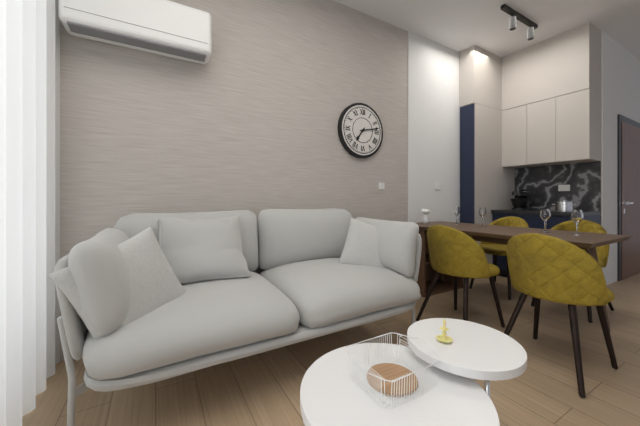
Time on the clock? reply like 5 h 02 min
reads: 7 h 13 min
